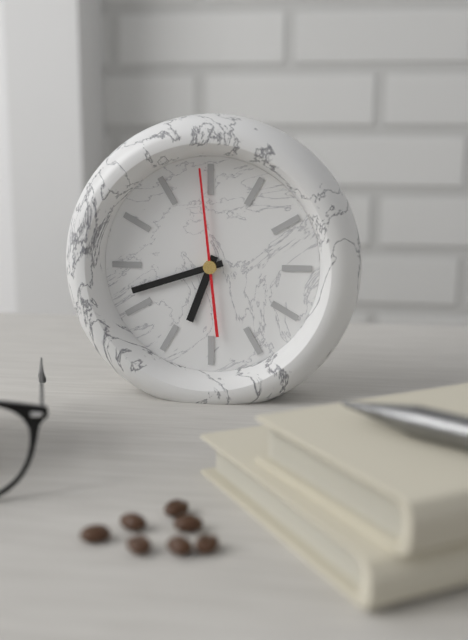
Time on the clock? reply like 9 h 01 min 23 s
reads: 6 h 42 min 59 s
